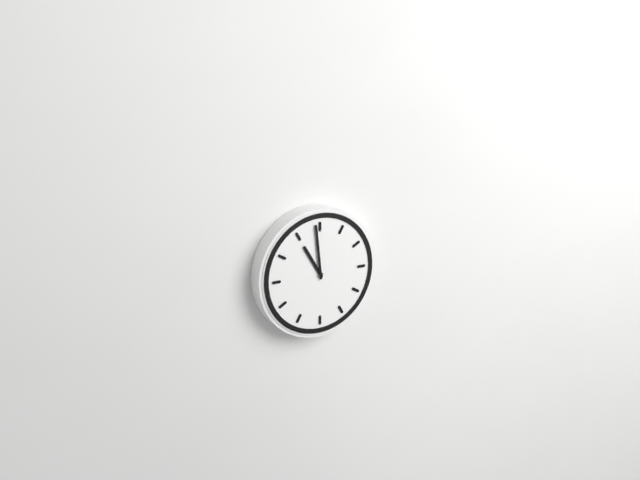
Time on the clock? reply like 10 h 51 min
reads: 10 h 59 min
